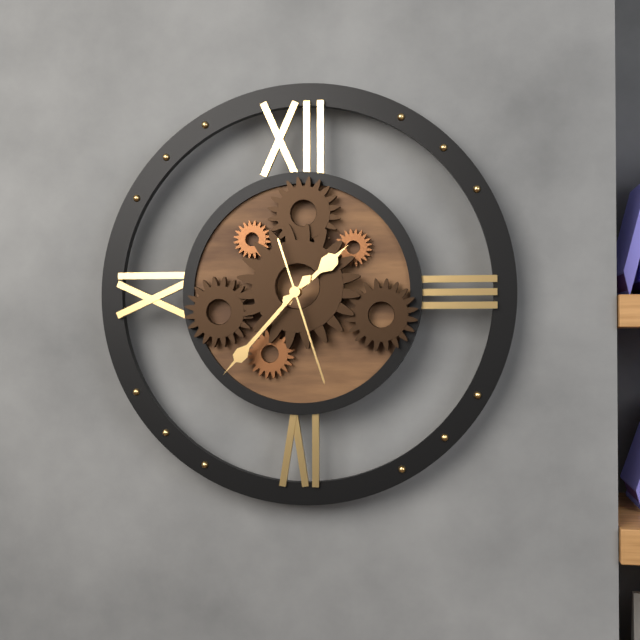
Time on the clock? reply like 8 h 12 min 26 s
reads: 1 h 37 min 27 s
